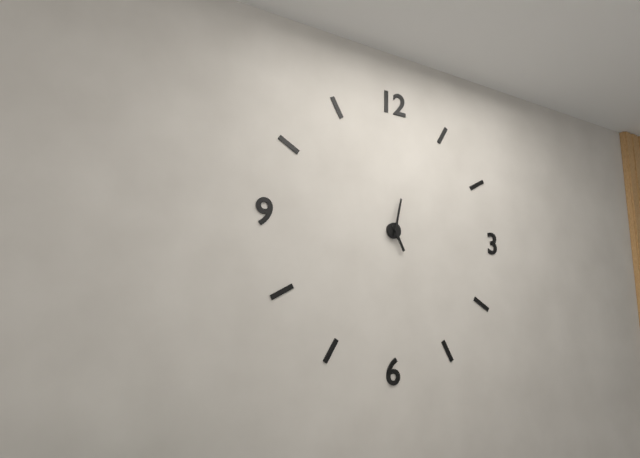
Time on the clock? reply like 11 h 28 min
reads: 5 h 02 min
